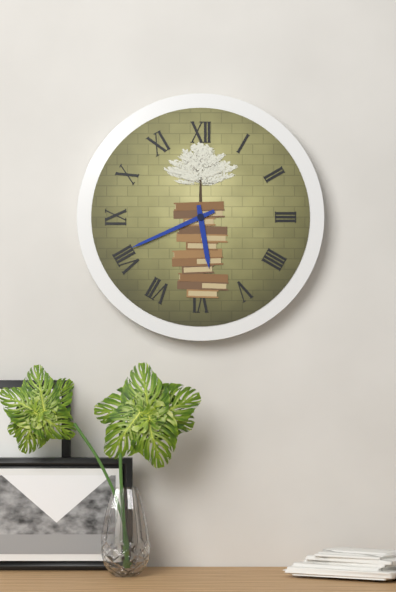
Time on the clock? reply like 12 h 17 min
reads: 5 h 41 min
